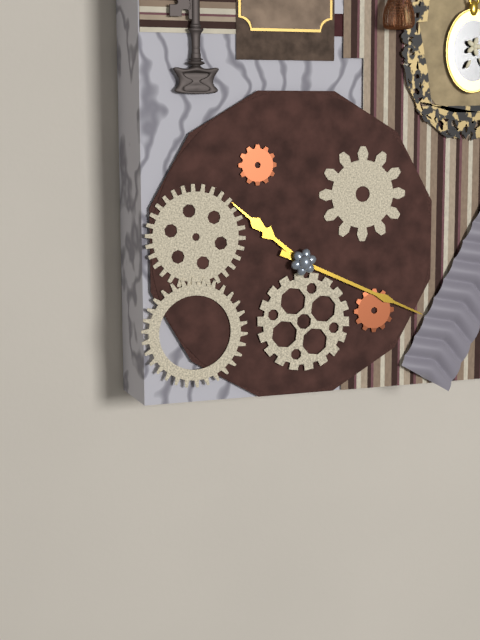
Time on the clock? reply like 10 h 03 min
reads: 10 h 19 min
